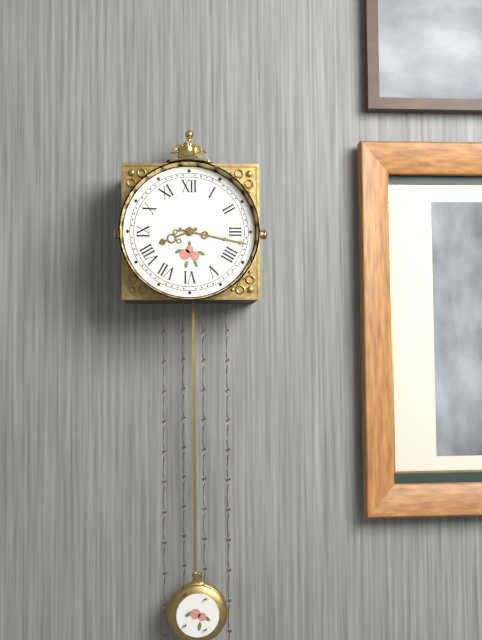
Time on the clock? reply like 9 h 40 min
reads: 8 h 17 min
